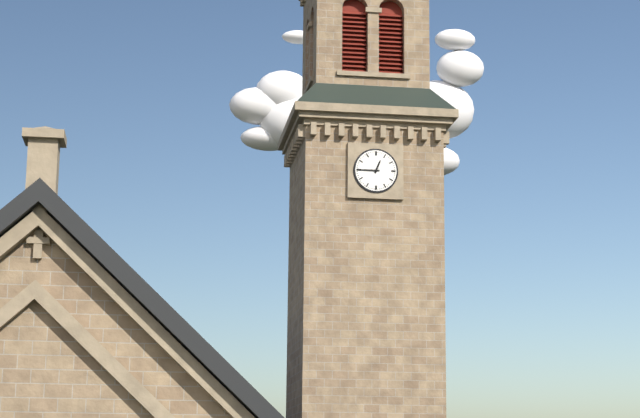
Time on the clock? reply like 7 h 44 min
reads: 12 h 45 min
